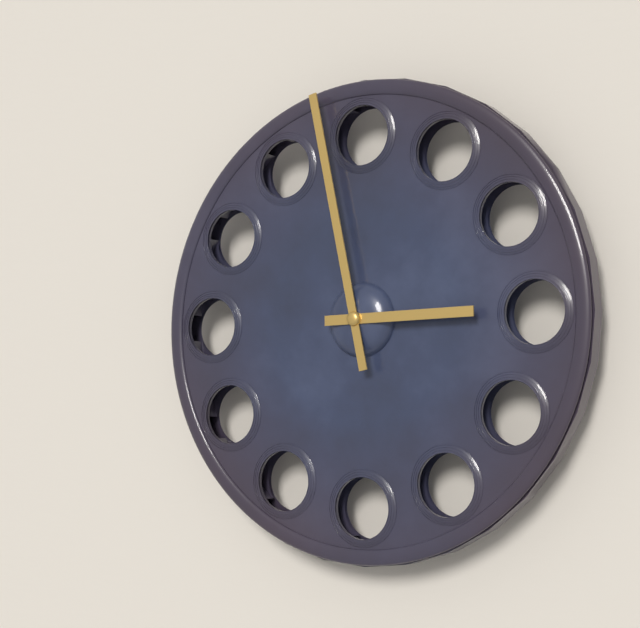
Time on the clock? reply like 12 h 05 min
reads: 2 h 58 min
